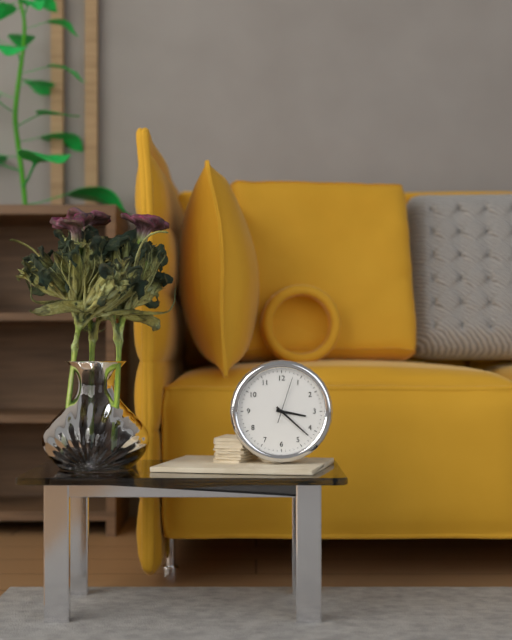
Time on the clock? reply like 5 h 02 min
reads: 3 h 22 min
